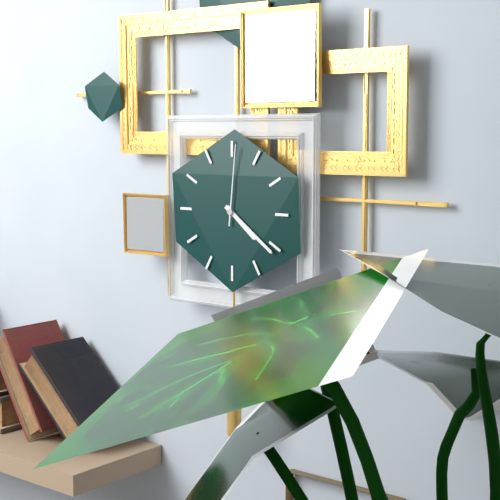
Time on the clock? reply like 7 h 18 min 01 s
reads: 4 h 21 min 01 s
